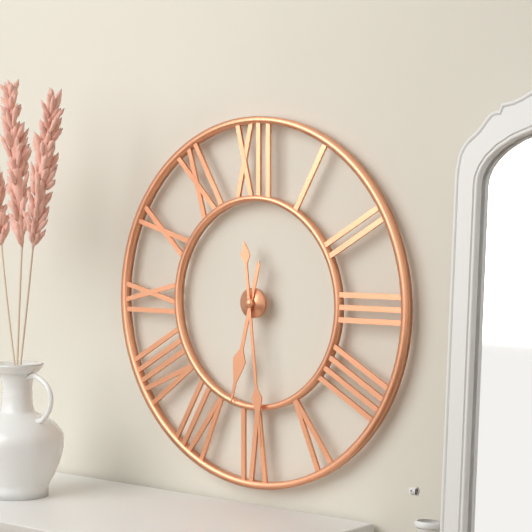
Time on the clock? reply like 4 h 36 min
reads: 6 h 29 min
